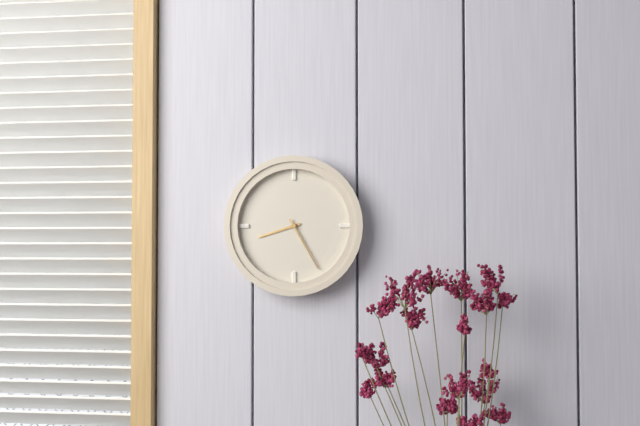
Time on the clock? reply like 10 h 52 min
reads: 8 h 25 min
